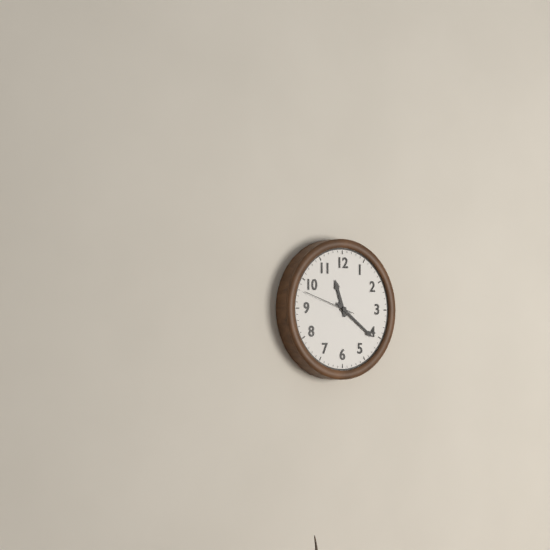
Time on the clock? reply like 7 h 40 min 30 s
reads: 11 h 21 min 48 s
